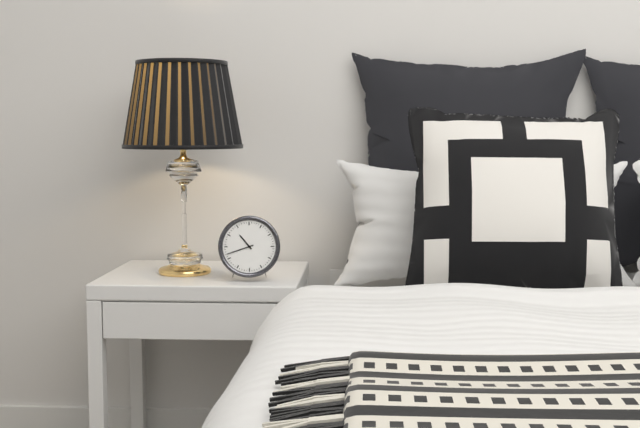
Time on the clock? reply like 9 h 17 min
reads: 10 h 42 min
